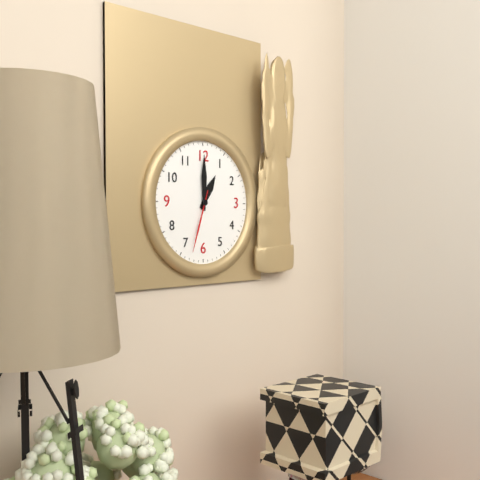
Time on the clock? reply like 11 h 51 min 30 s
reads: 1 h 00 min 33 s
